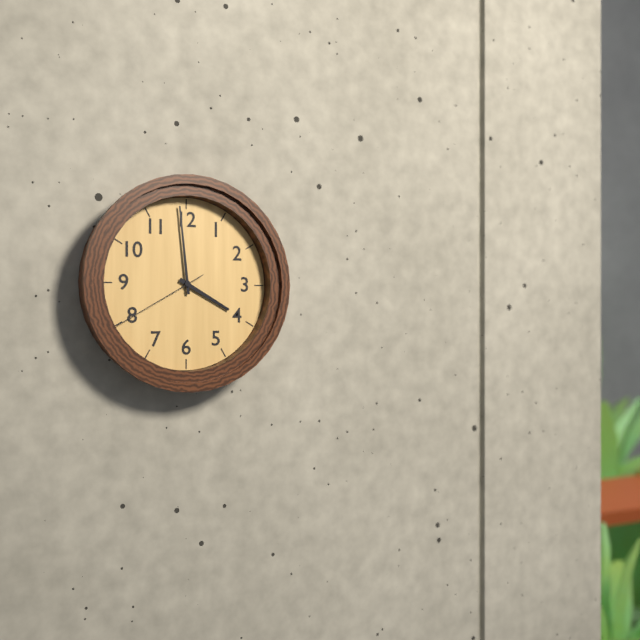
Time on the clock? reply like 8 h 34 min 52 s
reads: 3 h 59 min 40 s
